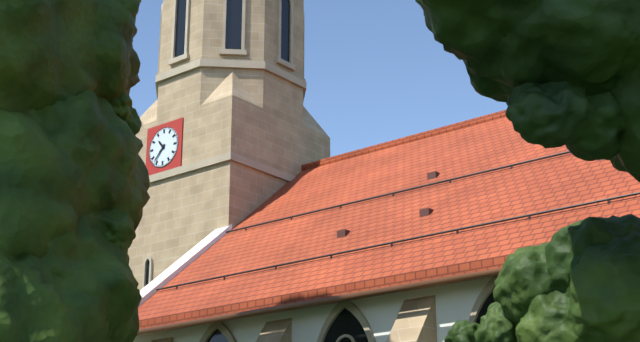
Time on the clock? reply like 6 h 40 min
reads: 10 h 37 min
